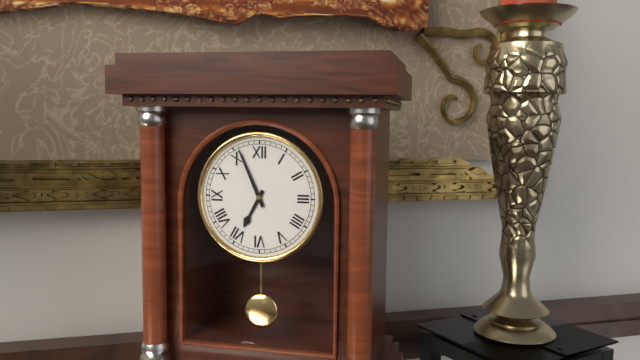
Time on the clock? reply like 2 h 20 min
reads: 6 h 56 min
